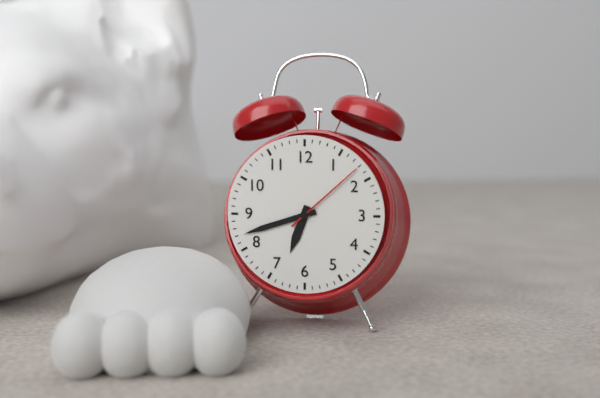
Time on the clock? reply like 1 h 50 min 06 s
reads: 6 h 42 min 08 s
